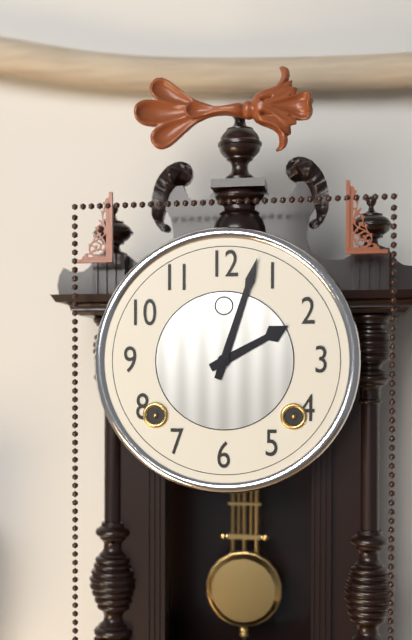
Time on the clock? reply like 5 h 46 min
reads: 2 h 03 min
